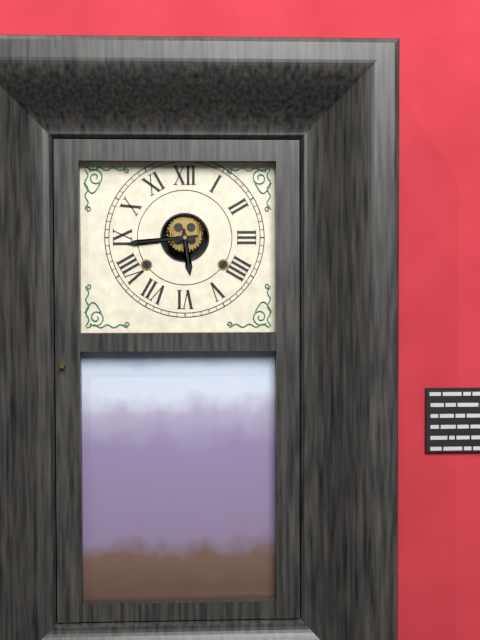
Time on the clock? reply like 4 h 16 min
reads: 5 h 44 min
